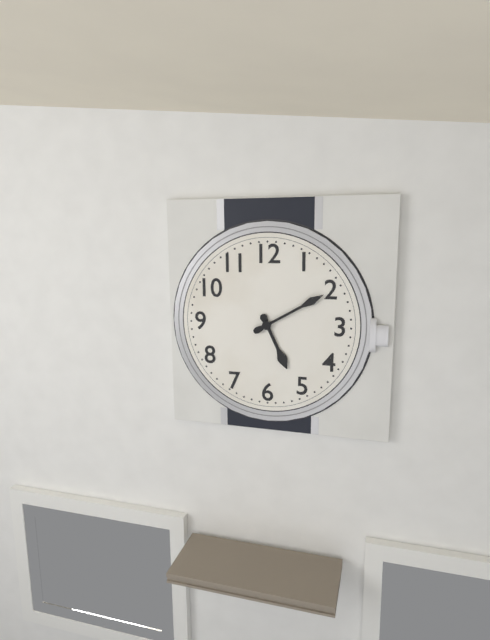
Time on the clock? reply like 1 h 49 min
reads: 5 h 10 min
